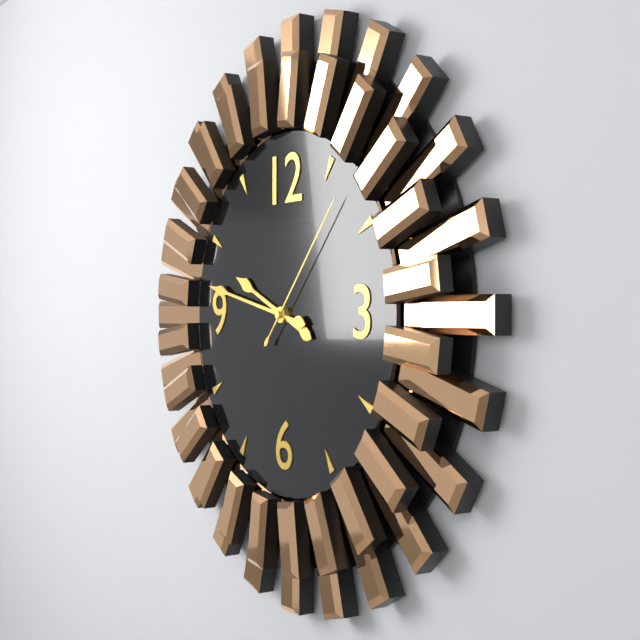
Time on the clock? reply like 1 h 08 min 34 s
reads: 9 h 47 min 07 s
